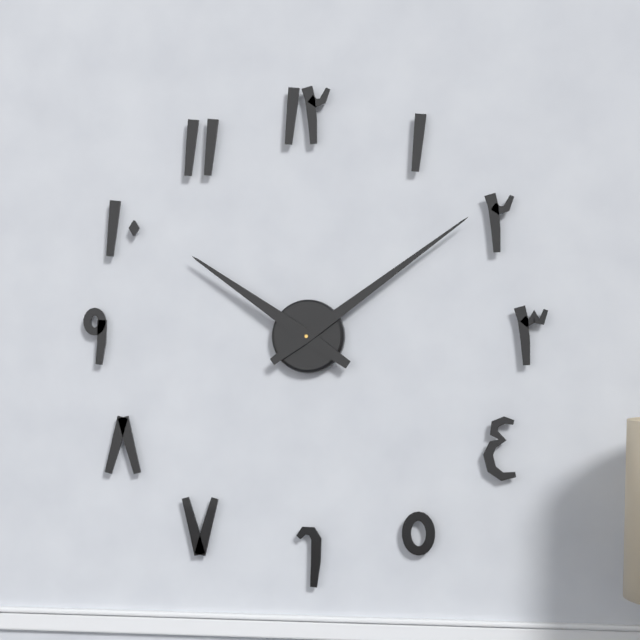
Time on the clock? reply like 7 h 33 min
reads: 10 h 09 min
